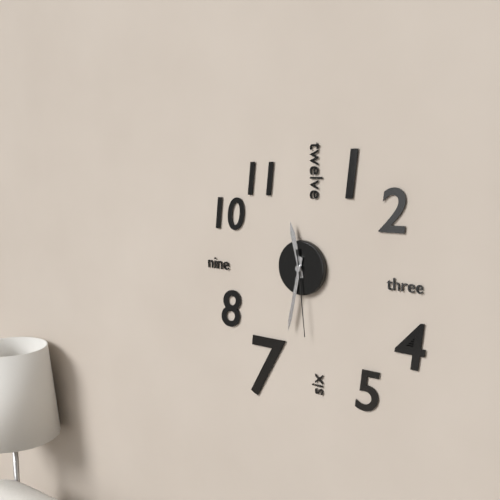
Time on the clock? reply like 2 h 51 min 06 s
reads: 11 h 32 min 29 s
